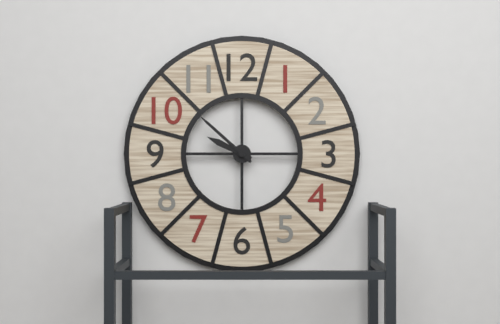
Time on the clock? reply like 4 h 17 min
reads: 9 h 52 min
